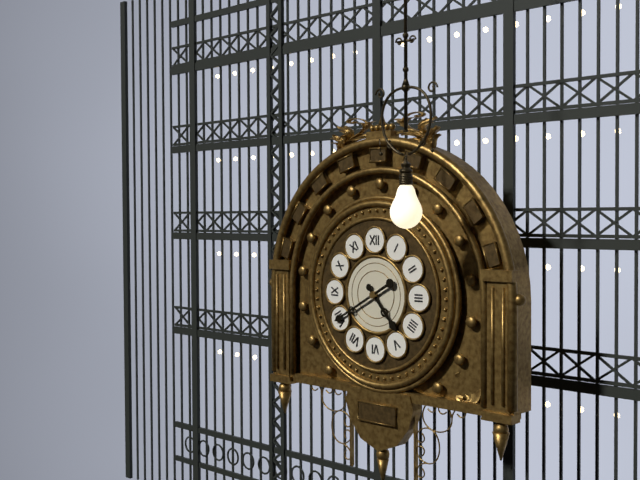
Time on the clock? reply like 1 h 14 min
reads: 4 h 40 min
